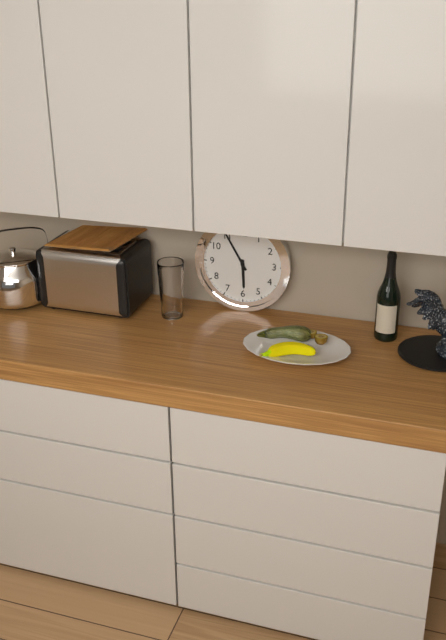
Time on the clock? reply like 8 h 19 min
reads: 5 h 55 min
